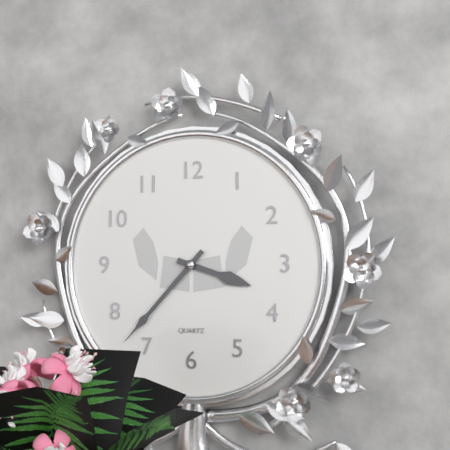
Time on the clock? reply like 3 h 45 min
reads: 3 h 37 min
